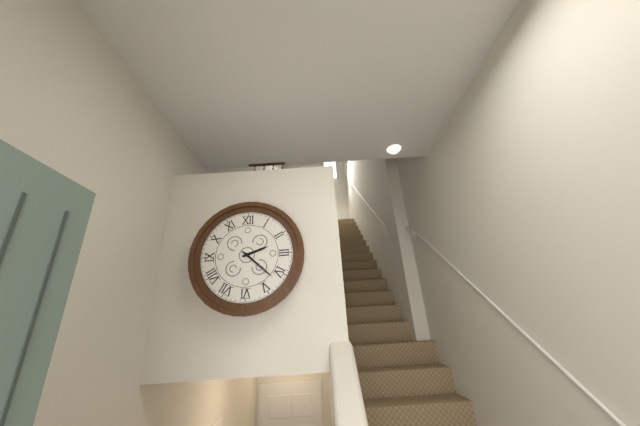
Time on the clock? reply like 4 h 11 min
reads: 2 h 22 min
